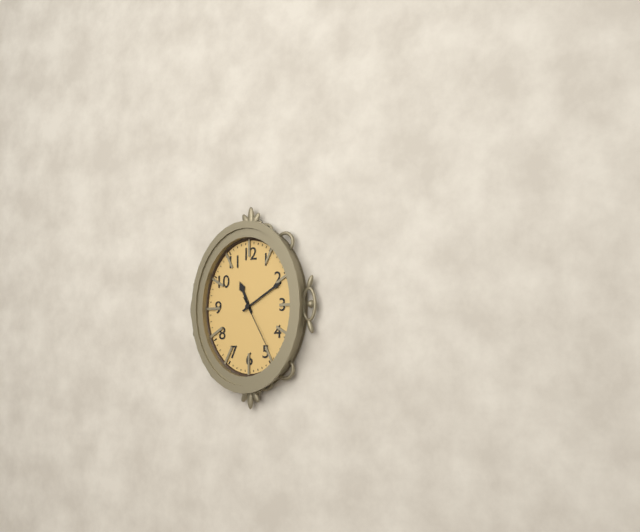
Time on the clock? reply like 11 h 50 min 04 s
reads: 11 h 10 min 25 s
